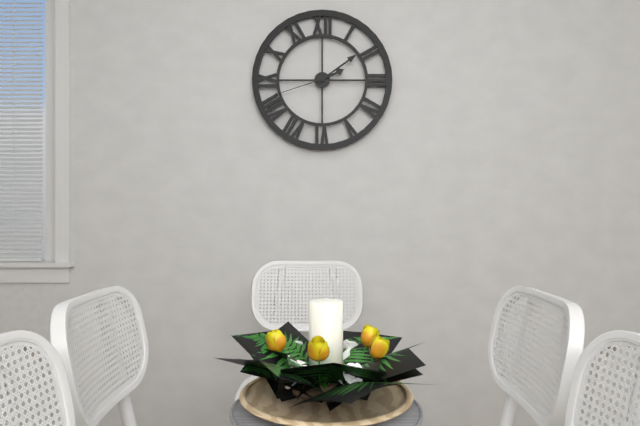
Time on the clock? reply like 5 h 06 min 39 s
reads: 2 h 09 min 42 s
